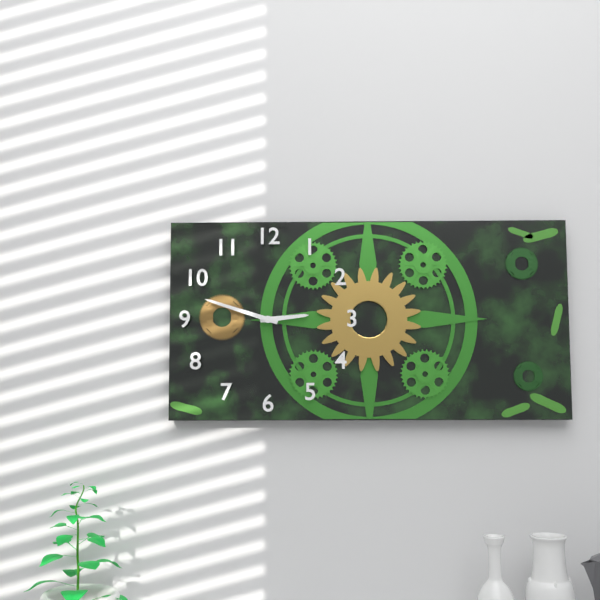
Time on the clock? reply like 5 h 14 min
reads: 2 h 48 min
